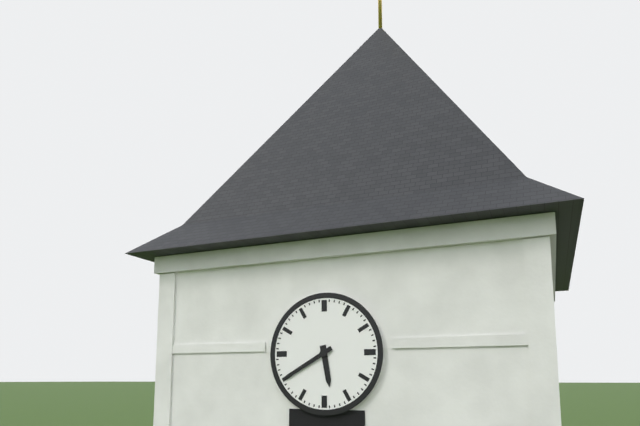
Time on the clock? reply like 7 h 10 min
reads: 5 h 40 min
